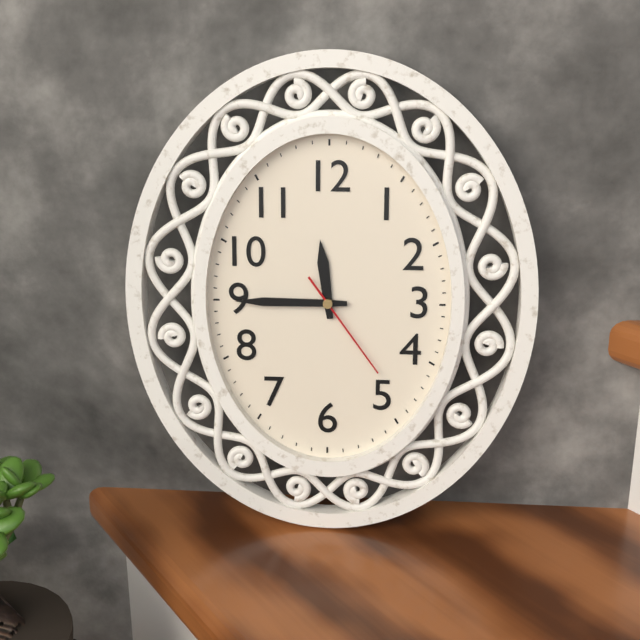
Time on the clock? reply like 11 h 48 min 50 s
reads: 11 h 45 min 24 s
